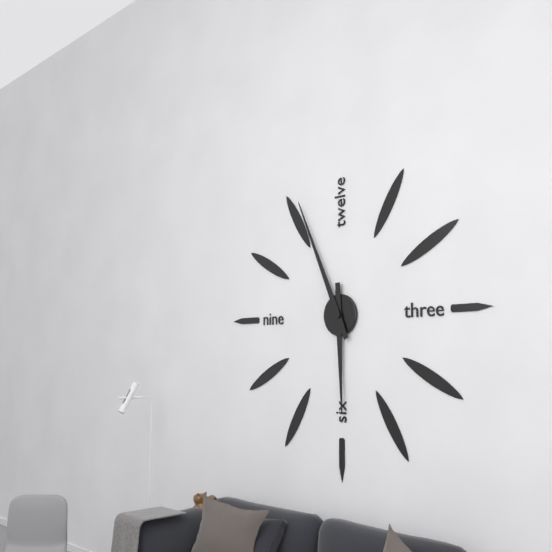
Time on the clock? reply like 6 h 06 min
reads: 5 h 56 min
